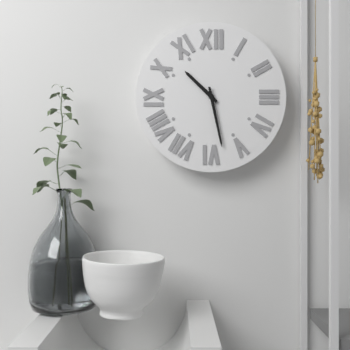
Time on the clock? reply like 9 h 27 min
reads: 10 h 28 min
